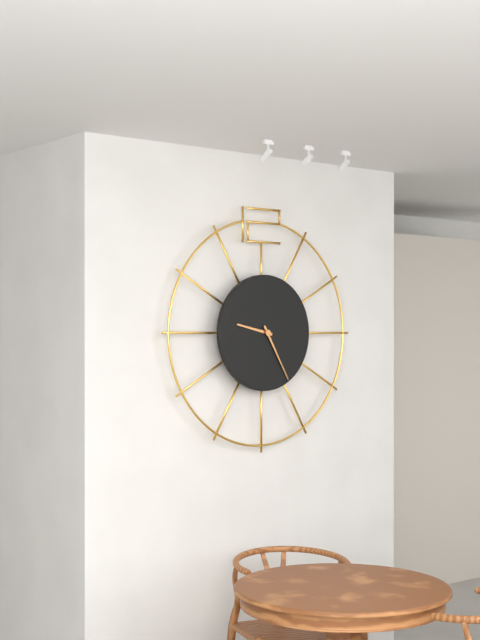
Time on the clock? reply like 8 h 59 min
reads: 9 h 25 min
